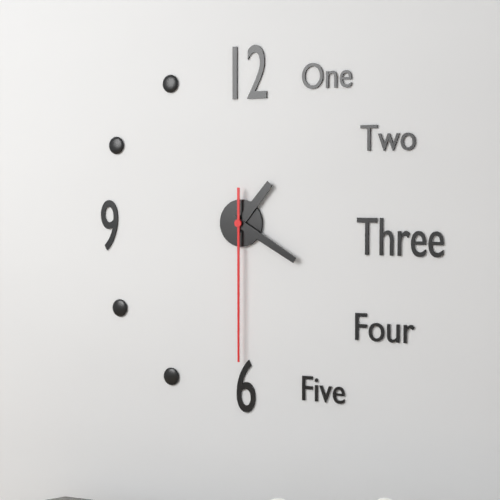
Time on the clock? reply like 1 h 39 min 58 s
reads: 1 h 20 min 30 s
